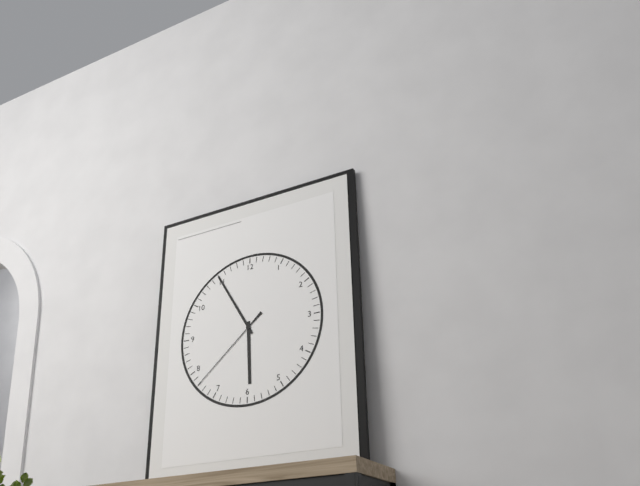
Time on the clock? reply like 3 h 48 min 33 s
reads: 5 h 55 min 38 s
